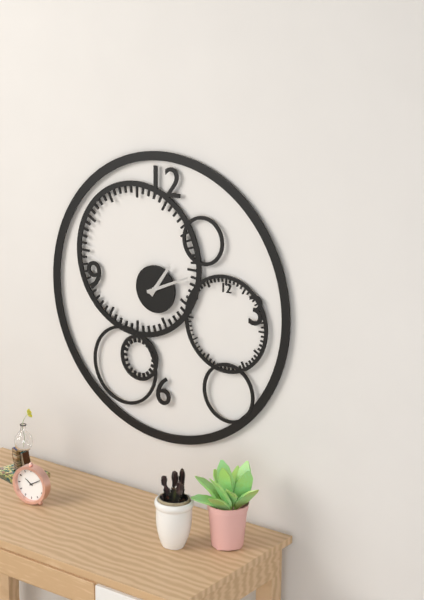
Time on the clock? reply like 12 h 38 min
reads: 1 h 11 min
